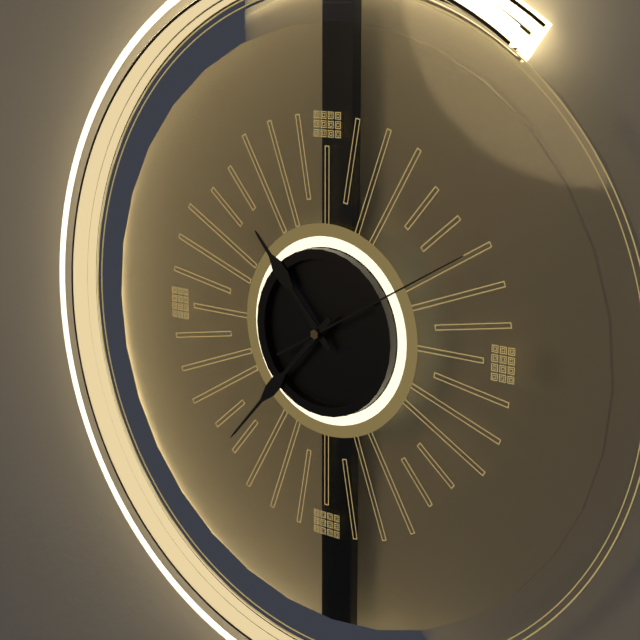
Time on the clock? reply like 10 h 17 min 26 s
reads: 10 h 37 min 10 s
